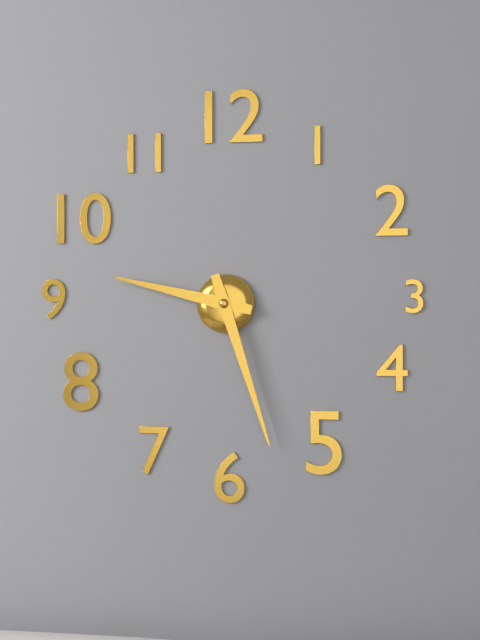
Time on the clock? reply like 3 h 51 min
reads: 9 h 27 min
